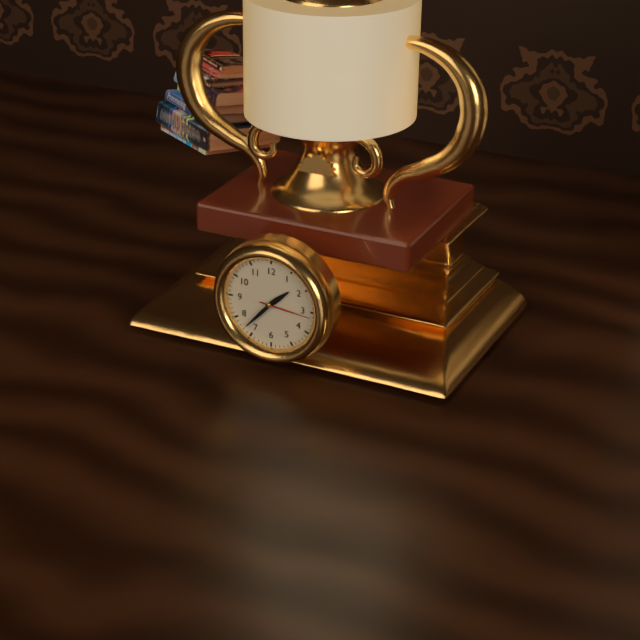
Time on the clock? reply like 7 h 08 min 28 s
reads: 1 h 37 min 16 s
